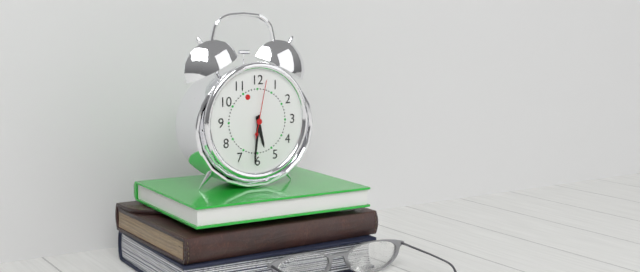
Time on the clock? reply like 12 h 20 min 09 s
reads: 5 h 31 min 02 s
